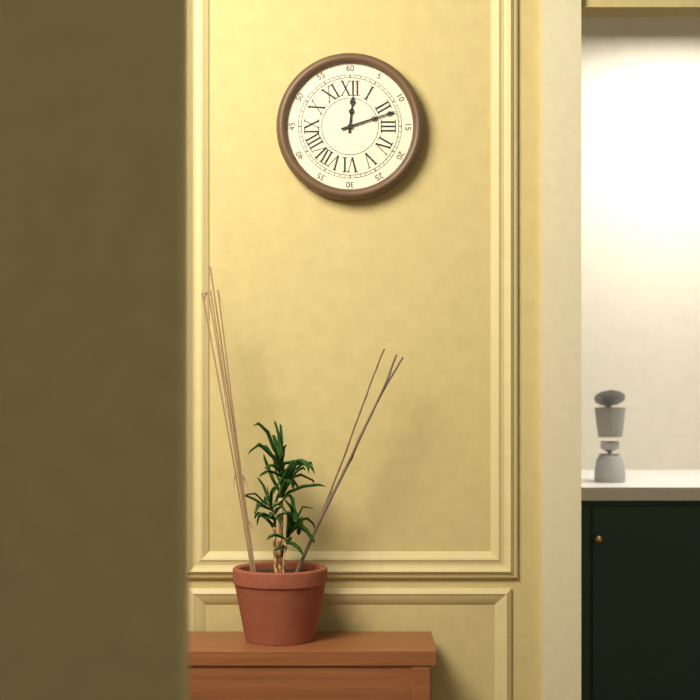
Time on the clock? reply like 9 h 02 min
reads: 12 h 12 min
